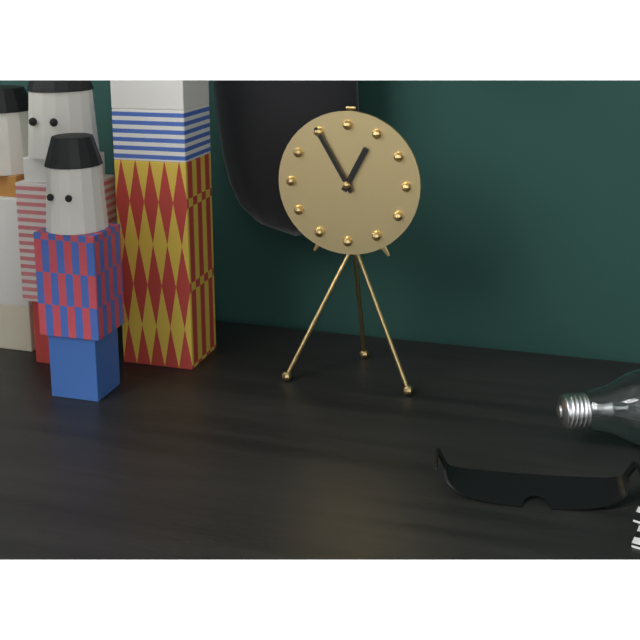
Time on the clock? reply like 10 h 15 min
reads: 12 h 55 min
